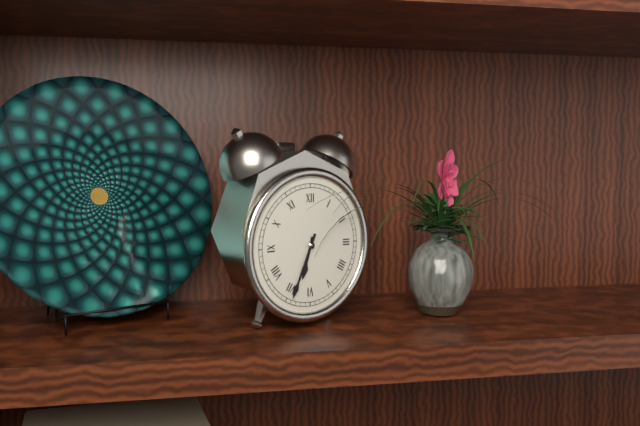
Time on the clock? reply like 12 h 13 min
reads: 6 h 34 min
